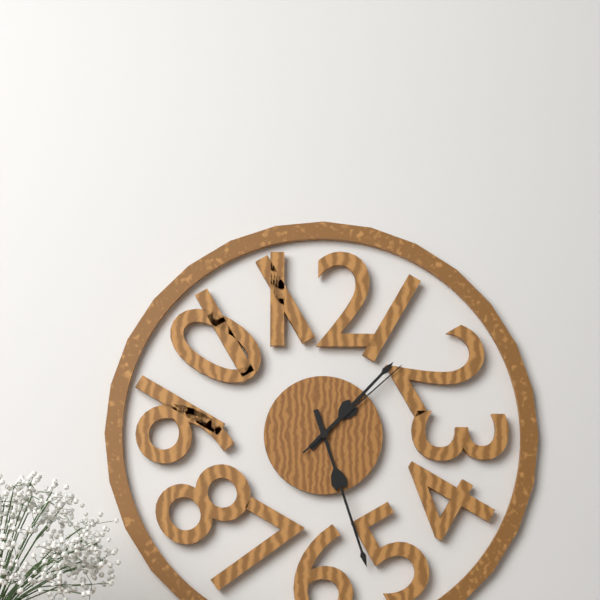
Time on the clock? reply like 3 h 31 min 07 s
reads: 1 h 27 min 08 s
